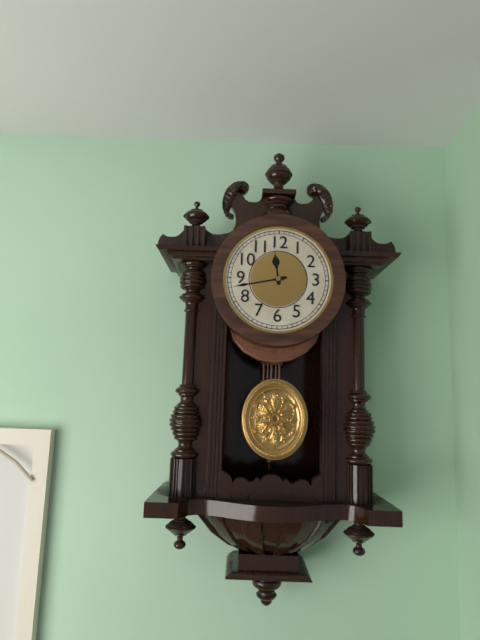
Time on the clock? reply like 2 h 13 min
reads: 11 h 43 min
